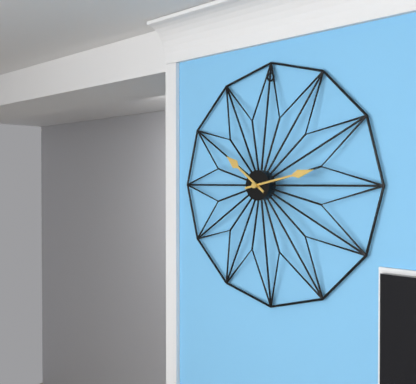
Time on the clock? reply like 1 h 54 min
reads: 10 h 13 min
